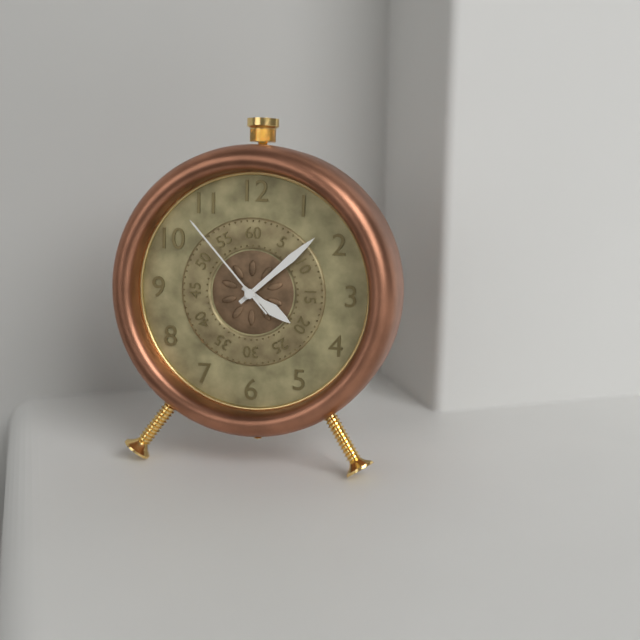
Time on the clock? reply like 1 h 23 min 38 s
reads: 4 h 08 min 53 s
